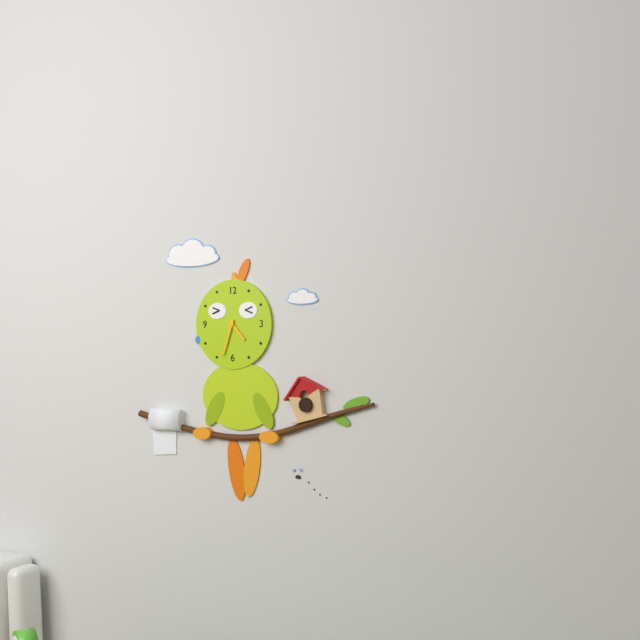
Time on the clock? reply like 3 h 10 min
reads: 4 h 33 min
